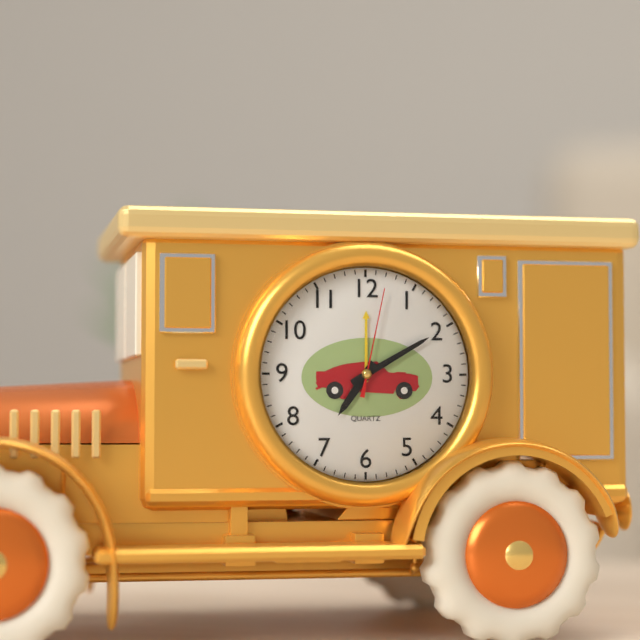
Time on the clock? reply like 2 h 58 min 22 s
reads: 7 h 10 min 02 s
